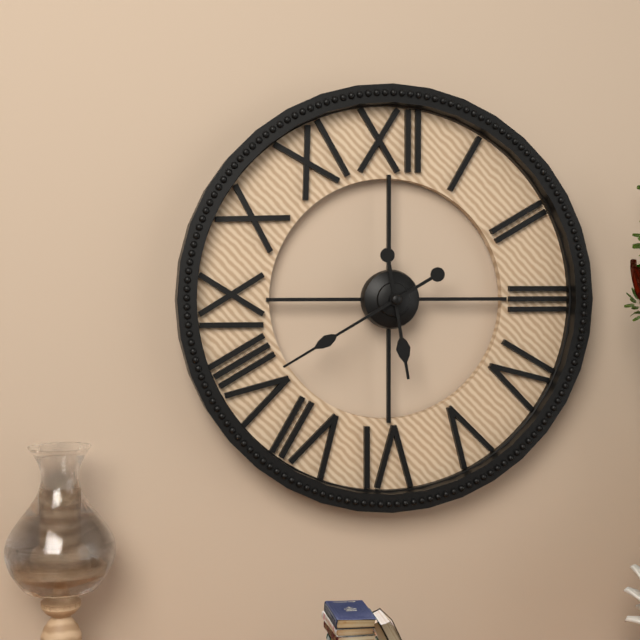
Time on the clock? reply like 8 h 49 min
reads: 5 h 40 min
